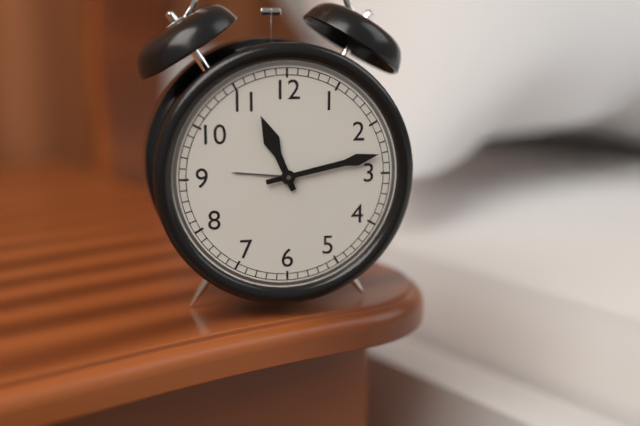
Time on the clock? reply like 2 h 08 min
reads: 11 h 13 min
